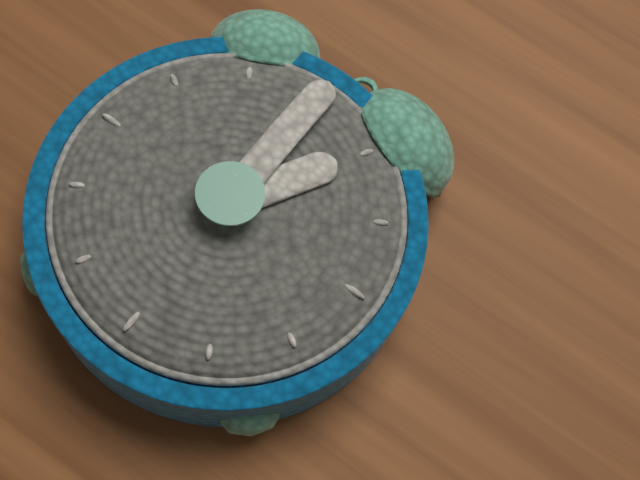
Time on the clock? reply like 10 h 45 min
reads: 1 h 00 min
